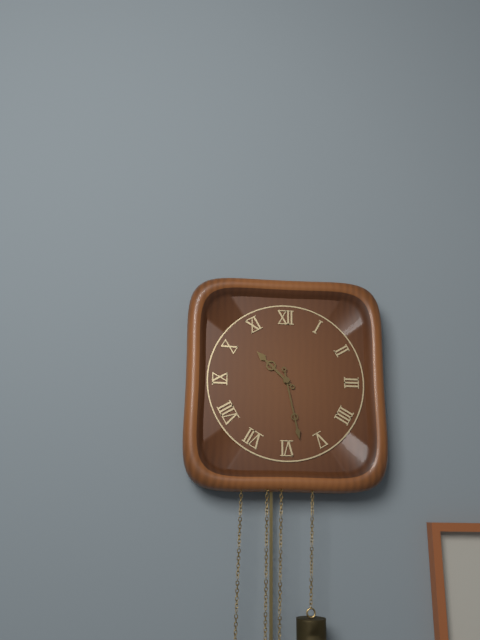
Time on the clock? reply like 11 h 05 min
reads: 10 h 28 min
